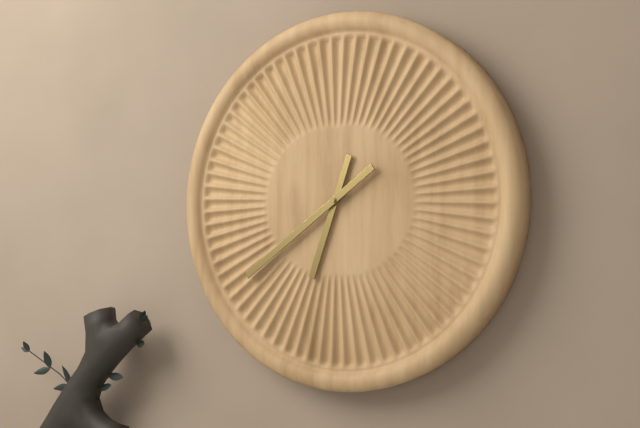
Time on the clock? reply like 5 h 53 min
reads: 6 h 39 min
